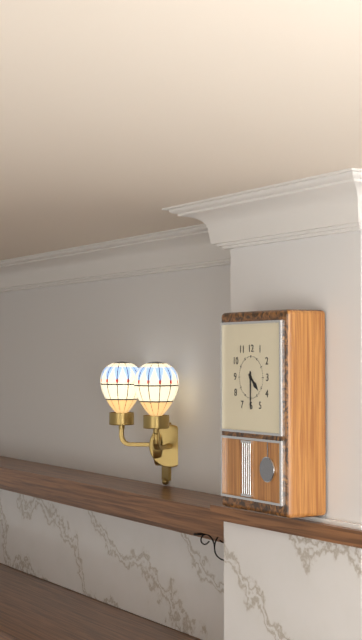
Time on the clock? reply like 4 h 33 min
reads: 4 h 30 min
